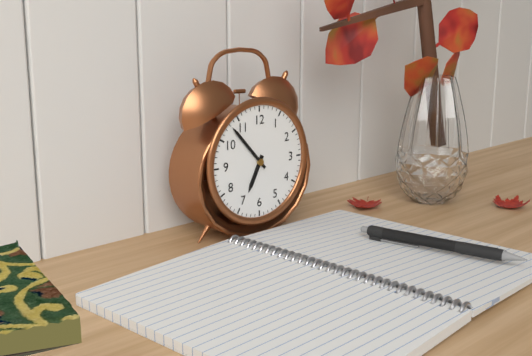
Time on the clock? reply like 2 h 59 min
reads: 6 h 53 min
